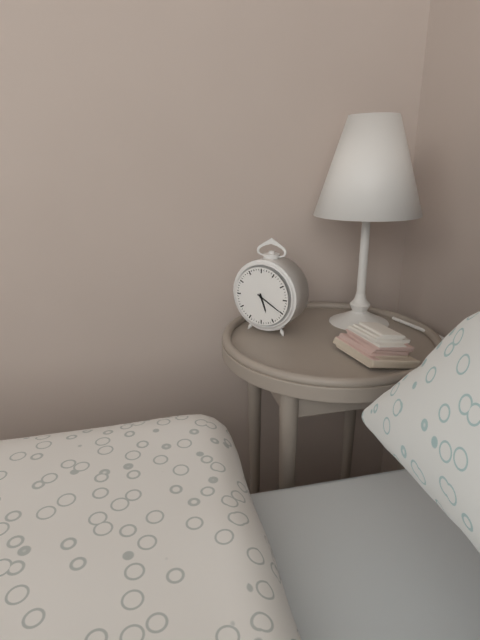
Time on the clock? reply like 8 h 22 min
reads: 5 h 20 min
